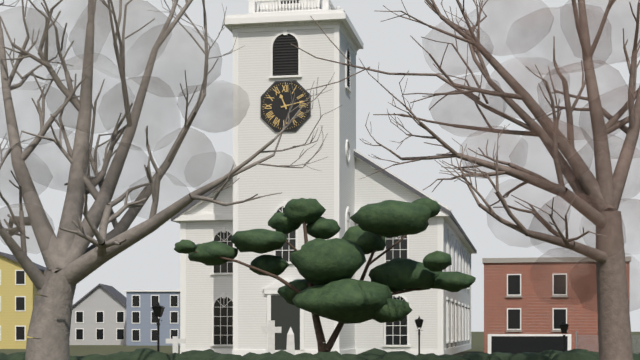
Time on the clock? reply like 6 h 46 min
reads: 11 h 13 min
